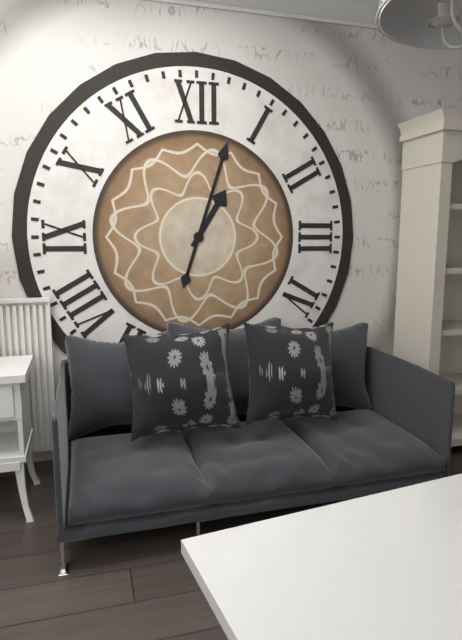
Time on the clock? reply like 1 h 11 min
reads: 1 h 03 min
